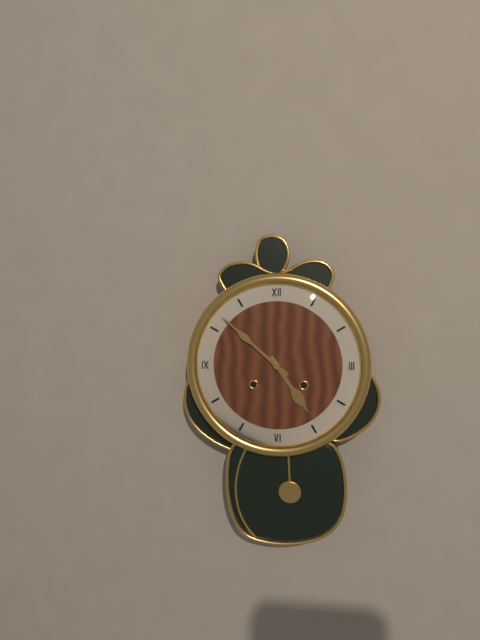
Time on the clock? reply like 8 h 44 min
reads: 4 h 52 min
